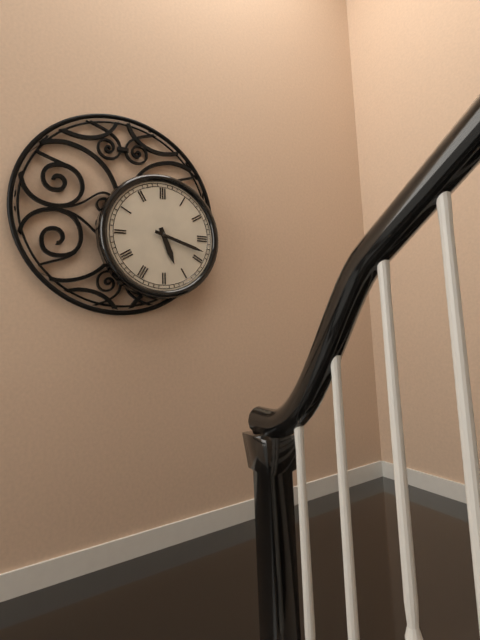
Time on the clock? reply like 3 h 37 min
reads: 5 h 18 min
